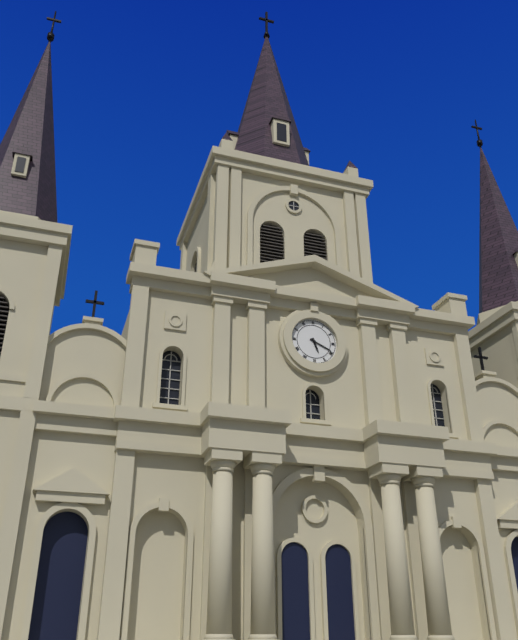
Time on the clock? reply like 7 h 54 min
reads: 5 h 19 min
